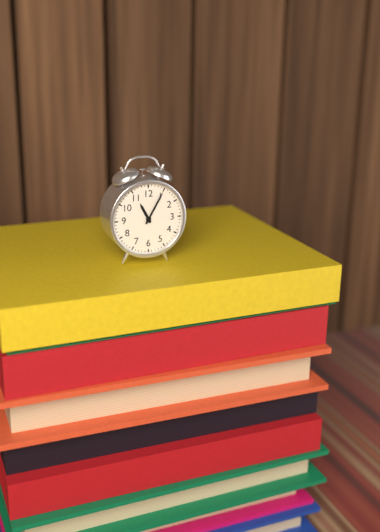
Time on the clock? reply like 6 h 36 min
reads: 11 h 05 min
